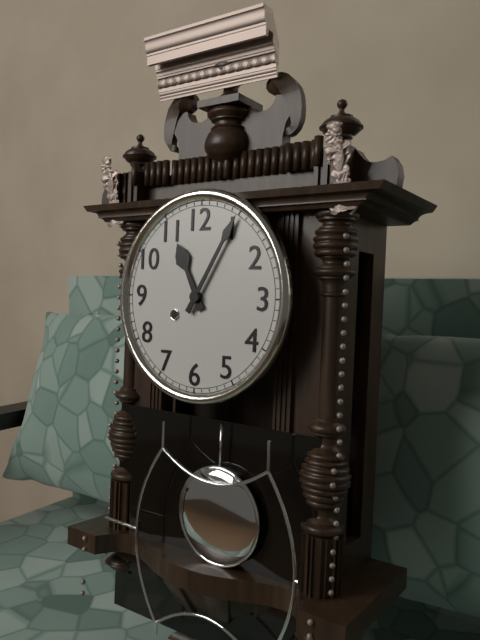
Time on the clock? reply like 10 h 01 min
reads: 11 h 05 min
